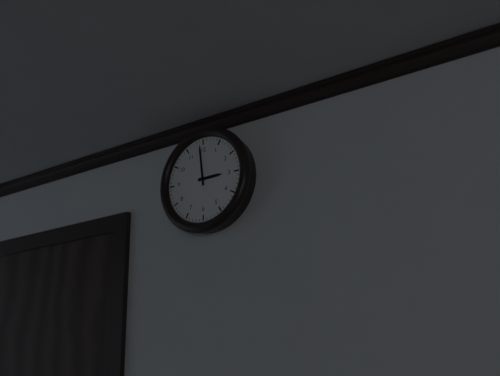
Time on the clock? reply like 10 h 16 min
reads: 2 h 59 min
